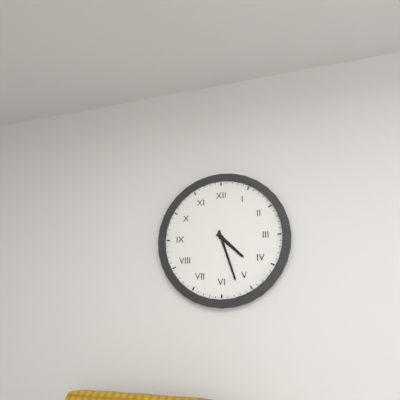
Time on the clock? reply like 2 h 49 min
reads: 4 h 27 min
